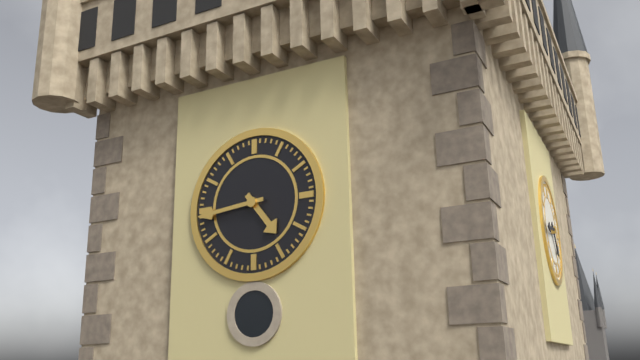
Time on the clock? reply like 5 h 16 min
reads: 4 h 44 min
